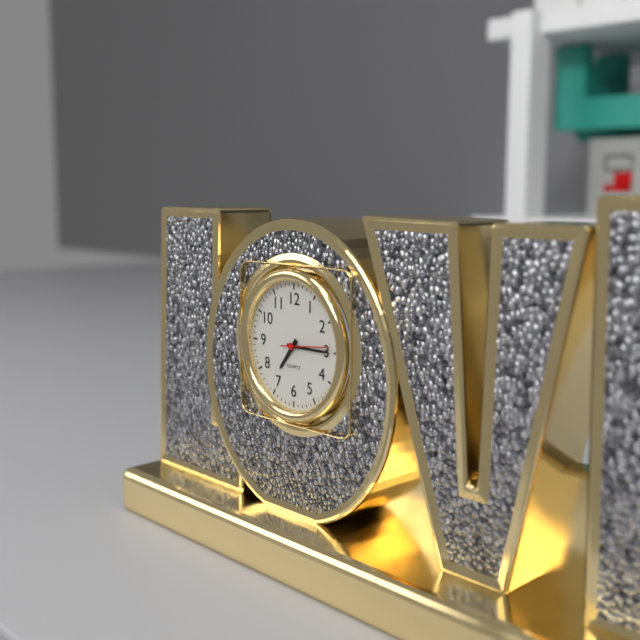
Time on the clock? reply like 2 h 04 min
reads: 7 h 15 min
